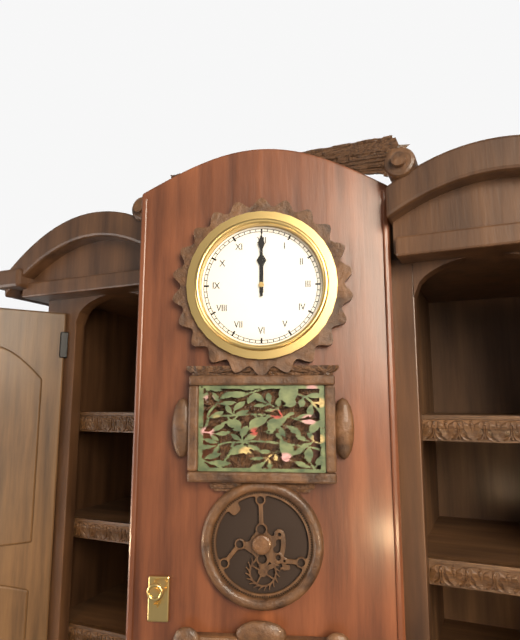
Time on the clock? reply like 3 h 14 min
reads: 12 h 00 min
